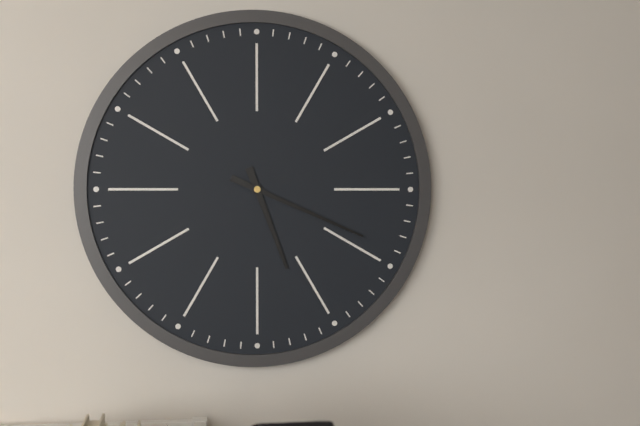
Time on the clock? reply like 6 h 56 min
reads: 5 h 19 min
